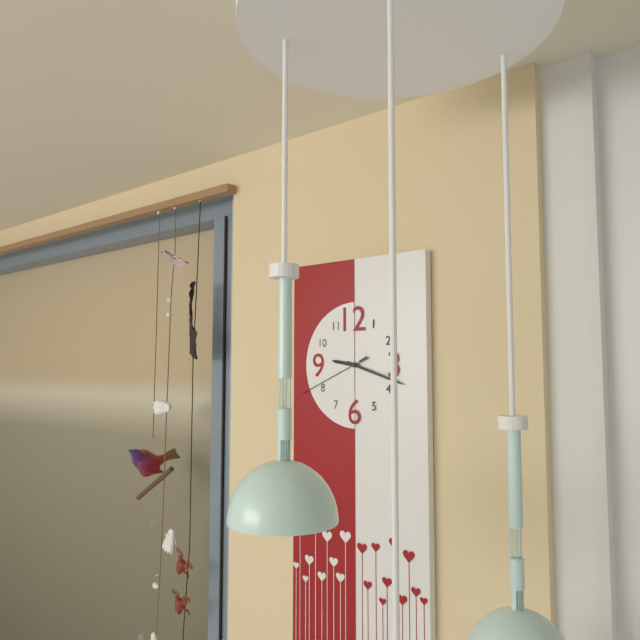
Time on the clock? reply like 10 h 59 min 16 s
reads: 9 h 18 min 41 s
